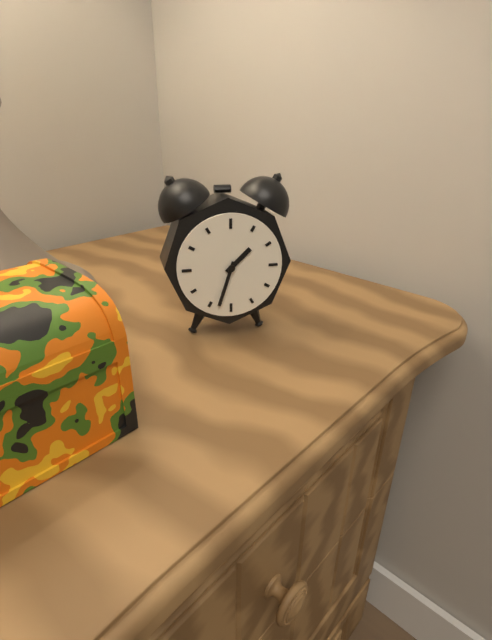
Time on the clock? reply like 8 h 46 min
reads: 1 h 33 min
